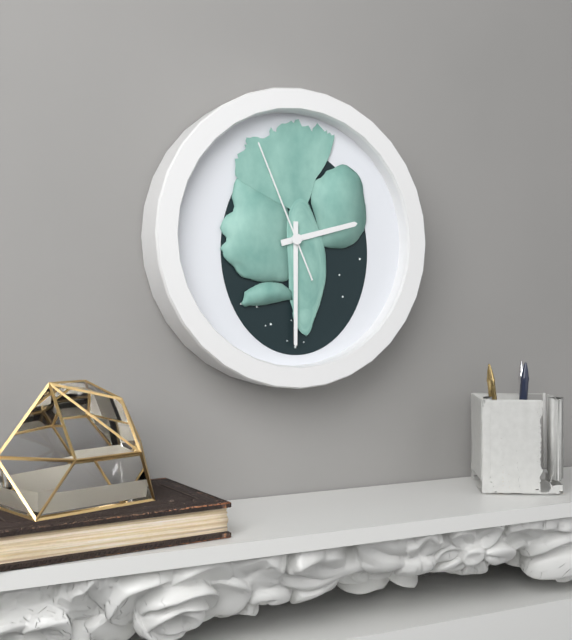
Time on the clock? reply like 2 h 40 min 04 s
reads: 2 h 30 min 56 s
